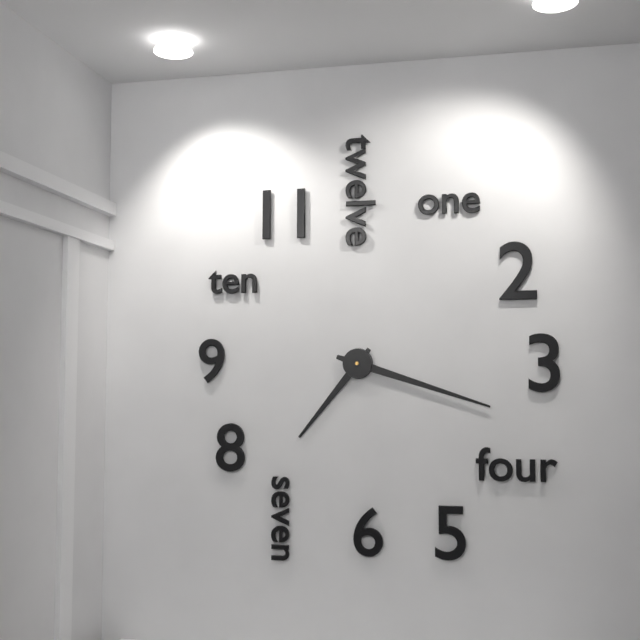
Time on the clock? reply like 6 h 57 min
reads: 7 h 18 min
